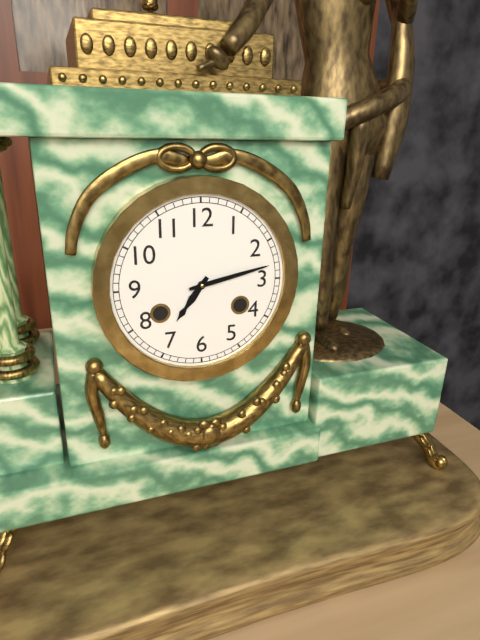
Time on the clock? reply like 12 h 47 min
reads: 7 h 13 min
